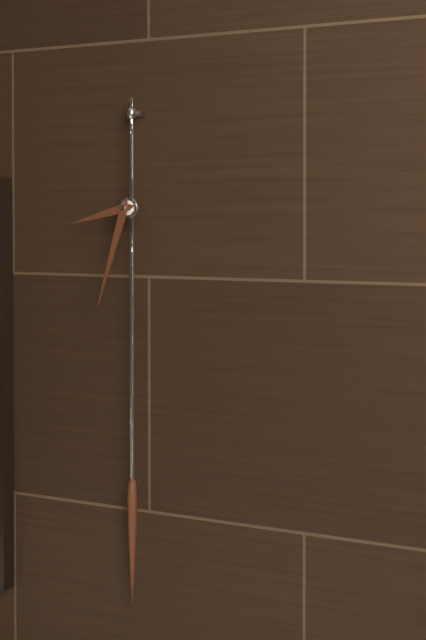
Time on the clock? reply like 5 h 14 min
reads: 8 h 33 min
